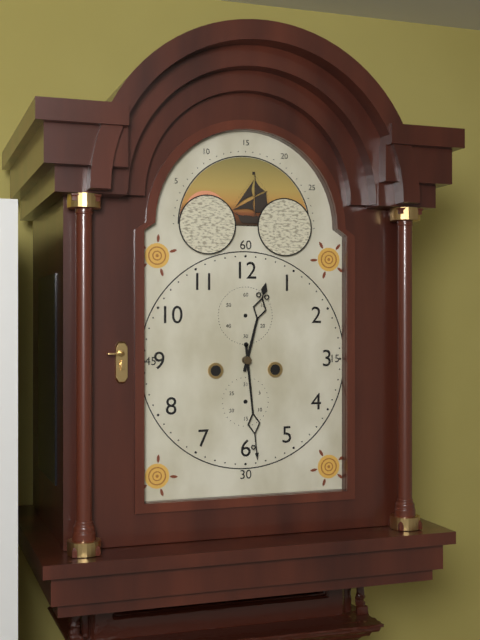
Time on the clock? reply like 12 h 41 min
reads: 12 h 29 min
